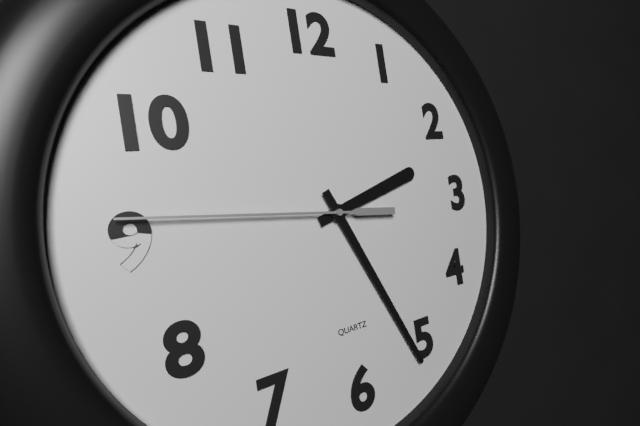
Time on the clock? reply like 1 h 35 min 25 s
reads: 2 h 26 min 46 s
